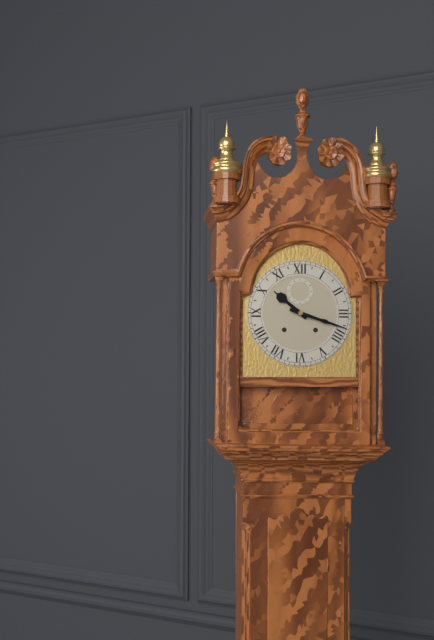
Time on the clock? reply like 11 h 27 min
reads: 10 h 18 min
